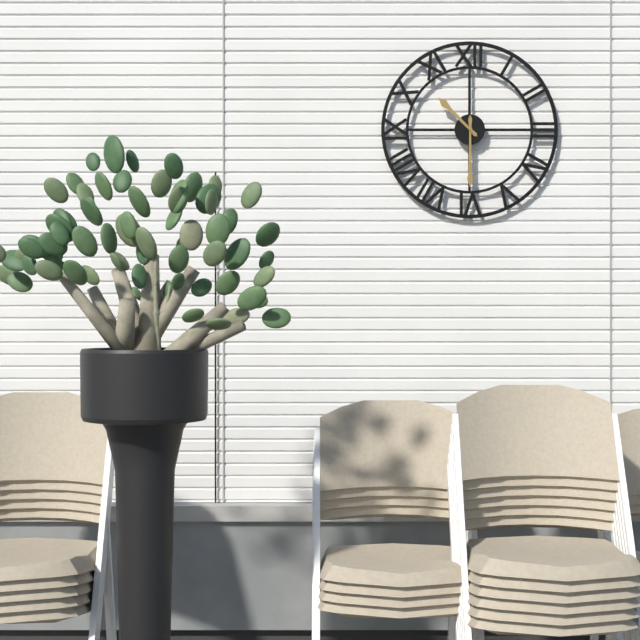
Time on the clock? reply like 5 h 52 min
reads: 10 h 30 min
